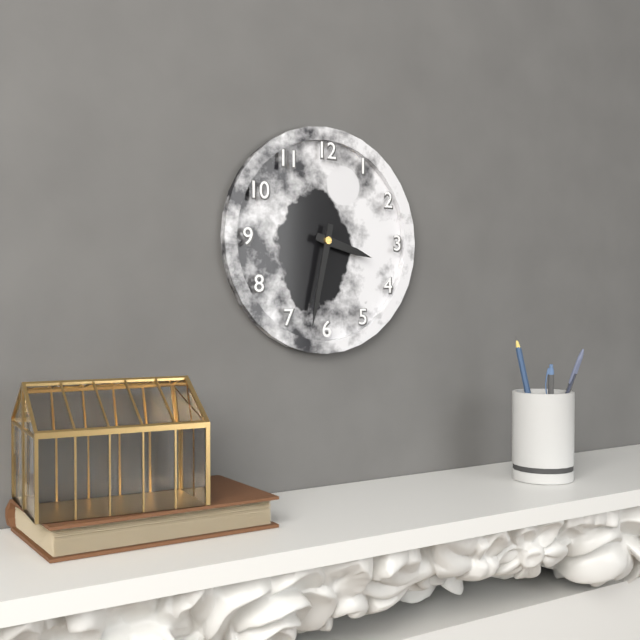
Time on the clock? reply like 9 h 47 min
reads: 3 h 32 min
